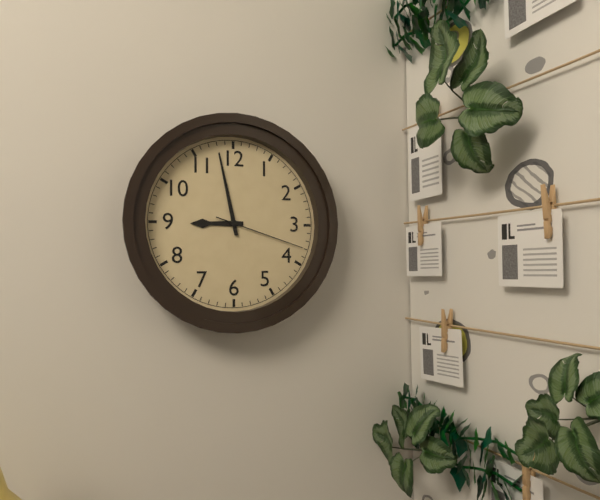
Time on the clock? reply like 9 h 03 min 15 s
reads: 8 h 58 min 18 s
